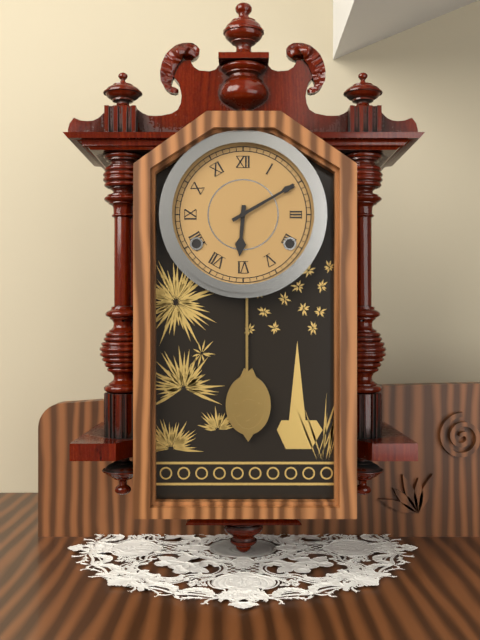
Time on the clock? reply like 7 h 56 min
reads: 6 h 10 min
